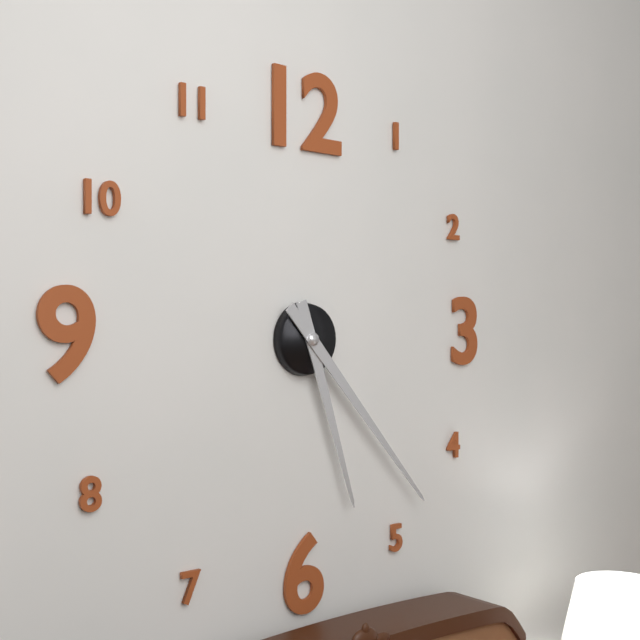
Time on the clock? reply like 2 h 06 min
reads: 5 h 23 min
